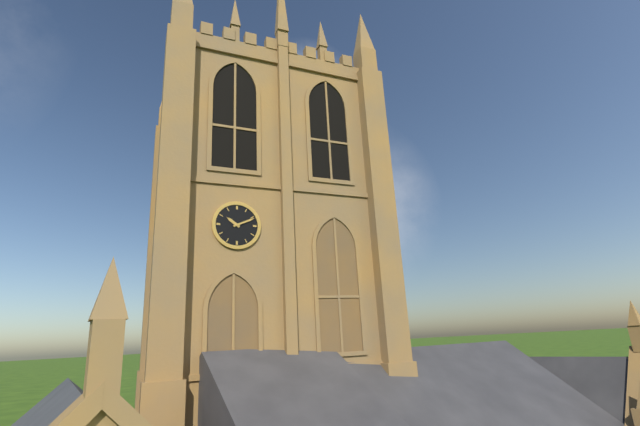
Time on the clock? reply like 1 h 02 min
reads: 10 h 11 min
